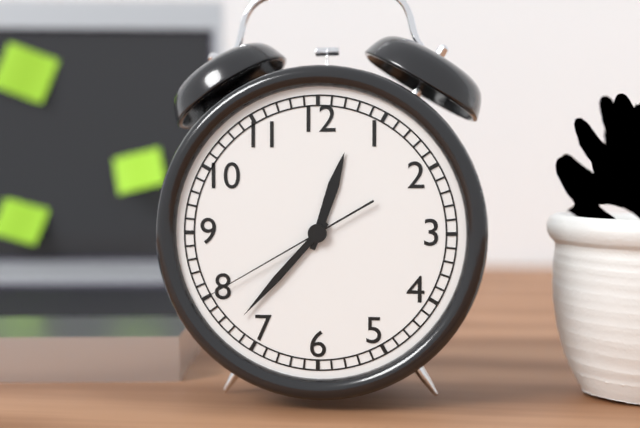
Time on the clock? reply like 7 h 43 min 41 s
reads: 12 h 37 min 40 s
